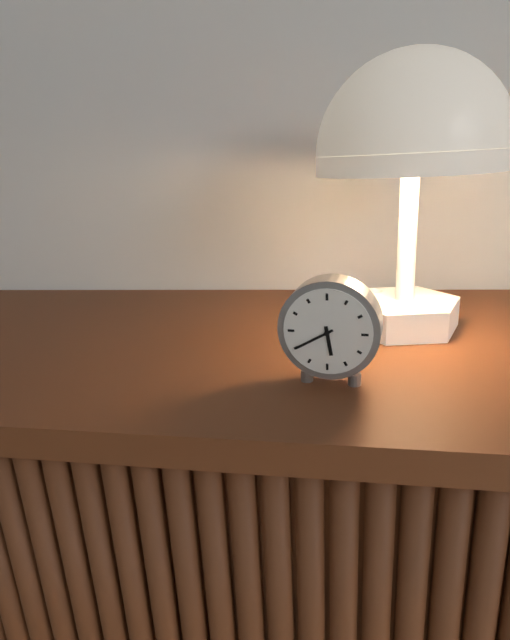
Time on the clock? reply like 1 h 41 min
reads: 5 h 40 min
